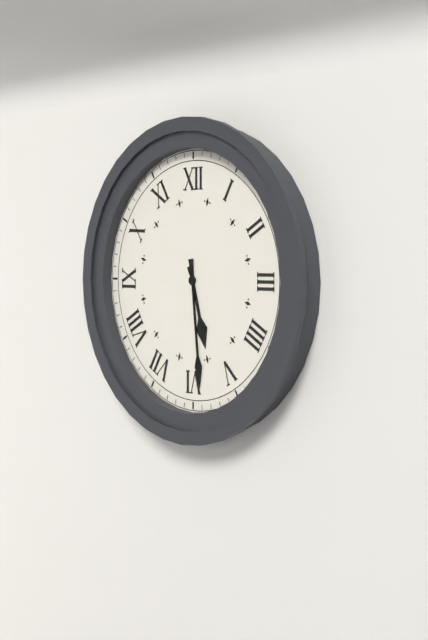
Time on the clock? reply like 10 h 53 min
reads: 5 h 29 min
